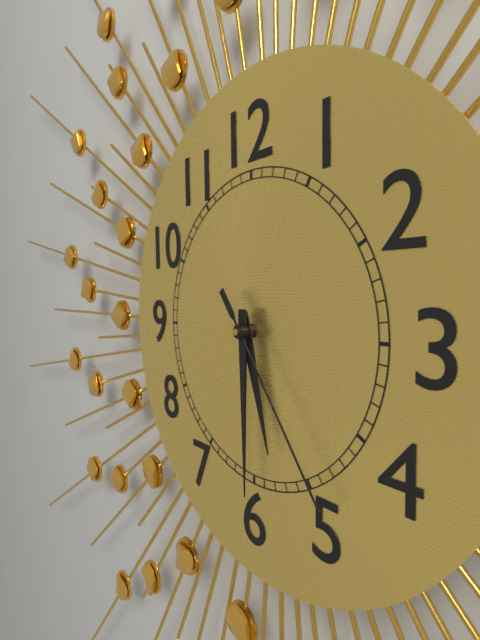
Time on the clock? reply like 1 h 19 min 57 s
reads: 5 h 30 min 24 s
